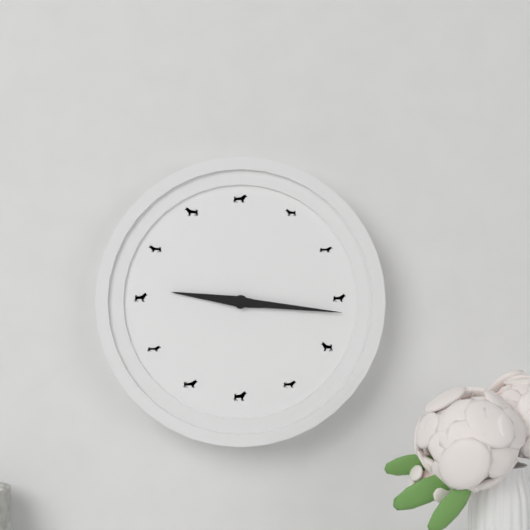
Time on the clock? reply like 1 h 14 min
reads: 9 h 16 min
